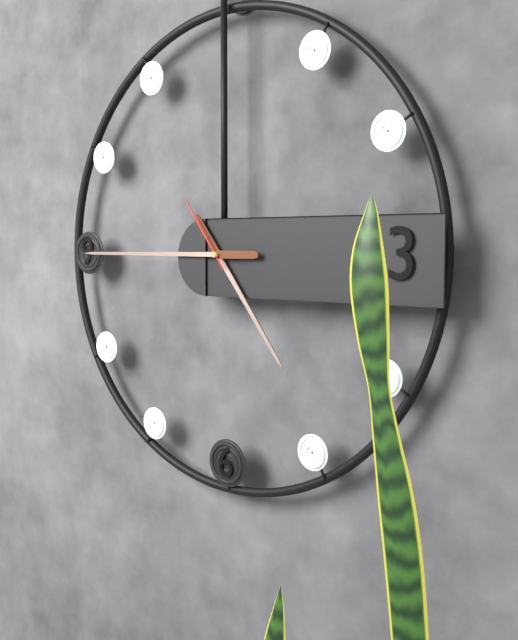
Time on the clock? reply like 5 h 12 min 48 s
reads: 4 h 45 min 54 s
